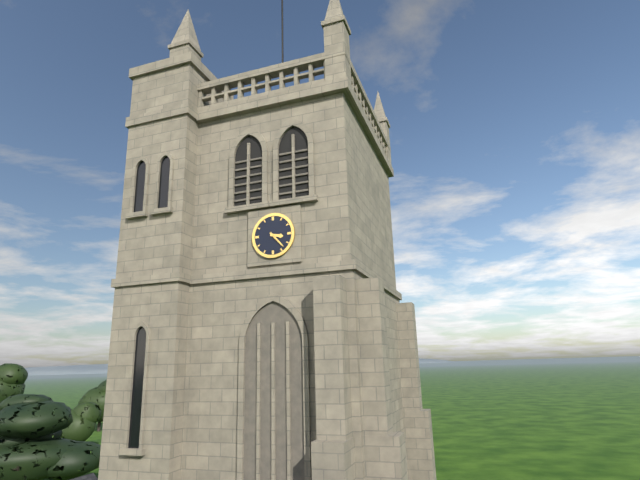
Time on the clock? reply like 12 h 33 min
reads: 3 h 23 min
